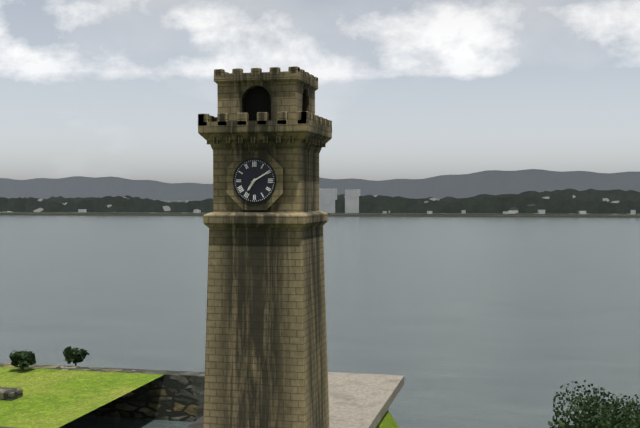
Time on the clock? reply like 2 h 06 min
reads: 7 h 10 min
